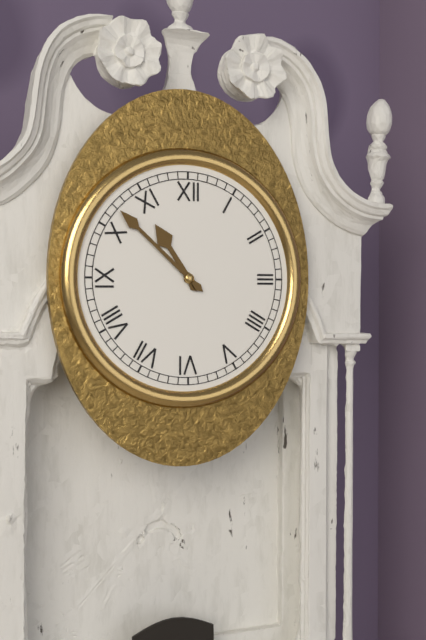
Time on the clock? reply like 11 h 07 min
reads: 10 h 52 min
